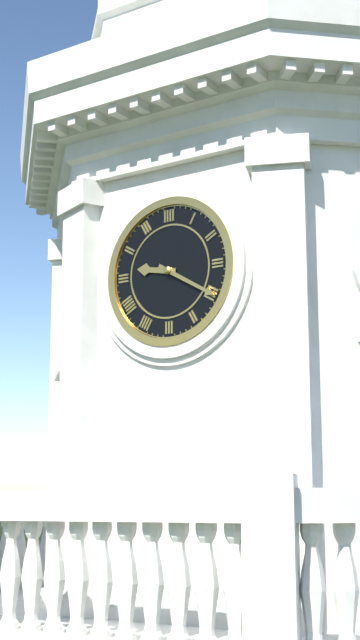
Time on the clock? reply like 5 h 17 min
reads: 9 h 20 min
